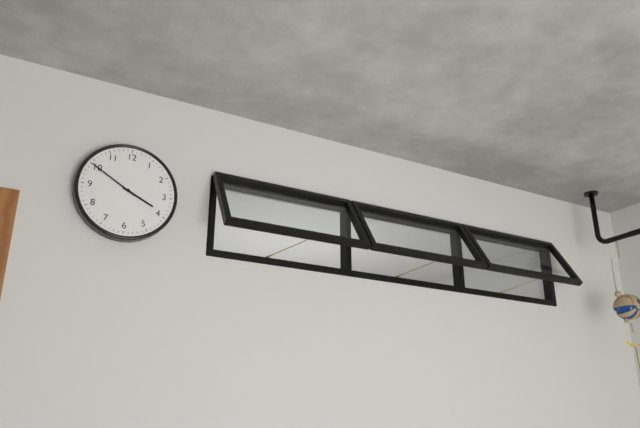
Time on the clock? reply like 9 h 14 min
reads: 3 h 50 min
